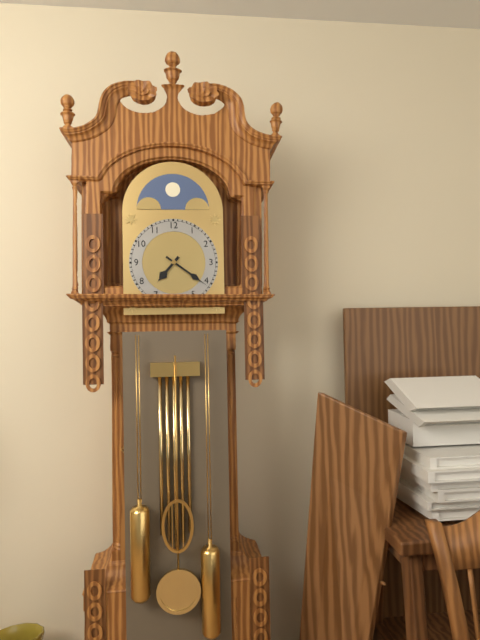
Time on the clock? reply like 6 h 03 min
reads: 7 h 21 min
